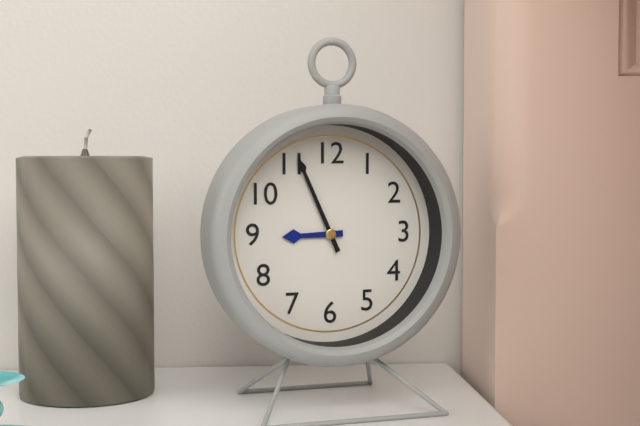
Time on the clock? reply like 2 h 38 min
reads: 8 h 56 min
